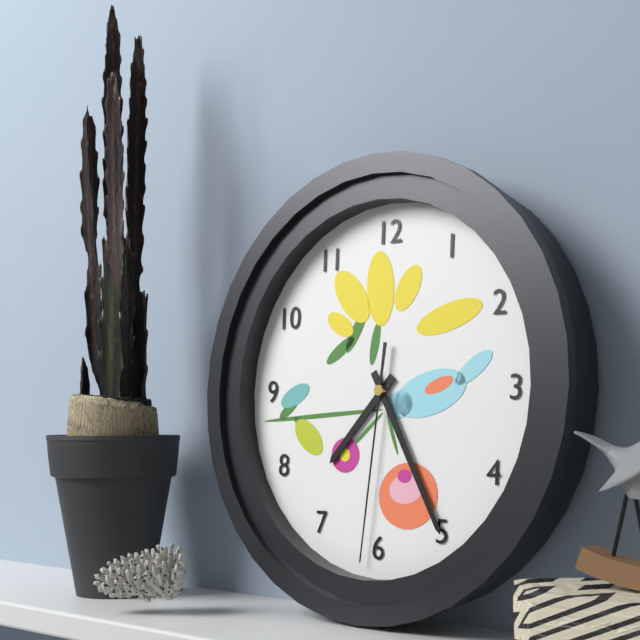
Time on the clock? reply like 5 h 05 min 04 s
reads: 7 h 25 min 31 s
